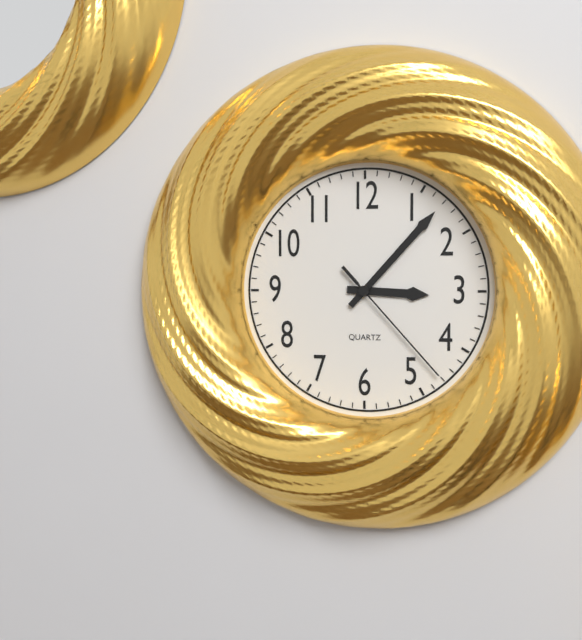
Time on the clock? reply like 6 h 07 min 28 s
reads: 3 h 07 min 23 s
